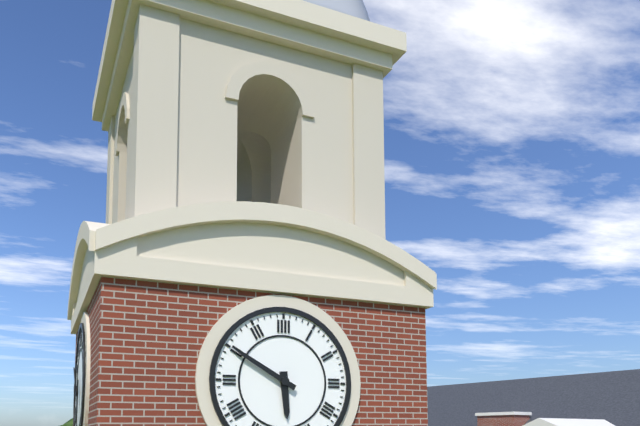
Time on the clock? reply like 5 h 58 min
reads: 5 h 50 min
